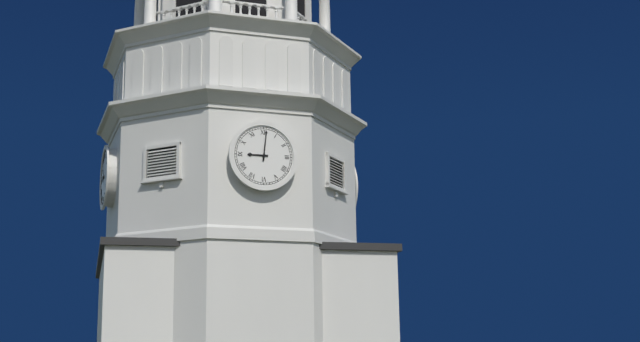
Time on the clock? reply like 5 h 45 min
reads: 9 h 01 min
